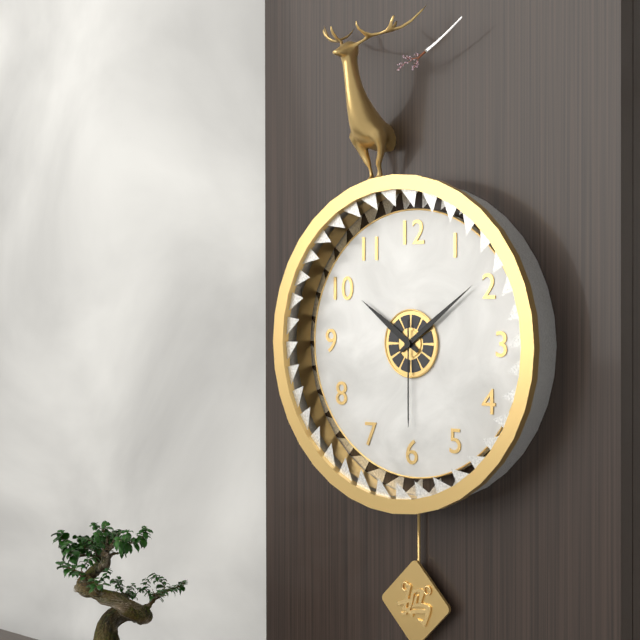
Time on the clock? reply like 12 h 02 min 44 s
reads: 10 h 09 min 30 s
